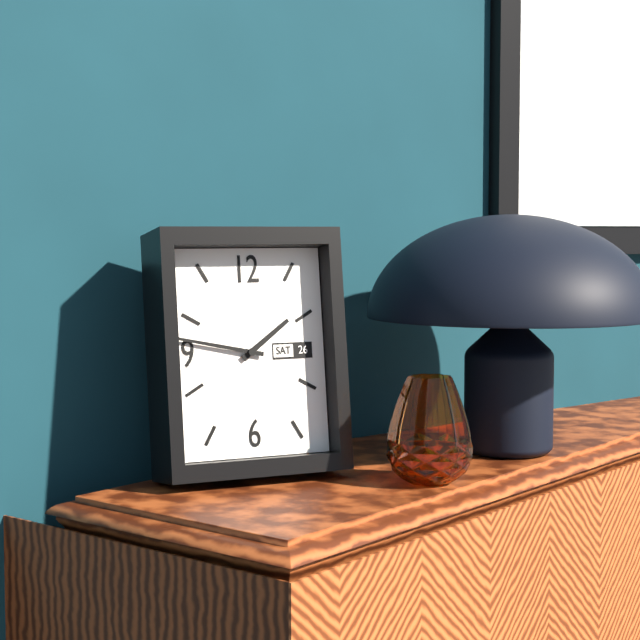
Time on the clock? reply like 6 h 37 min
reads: 1 h 47 min
